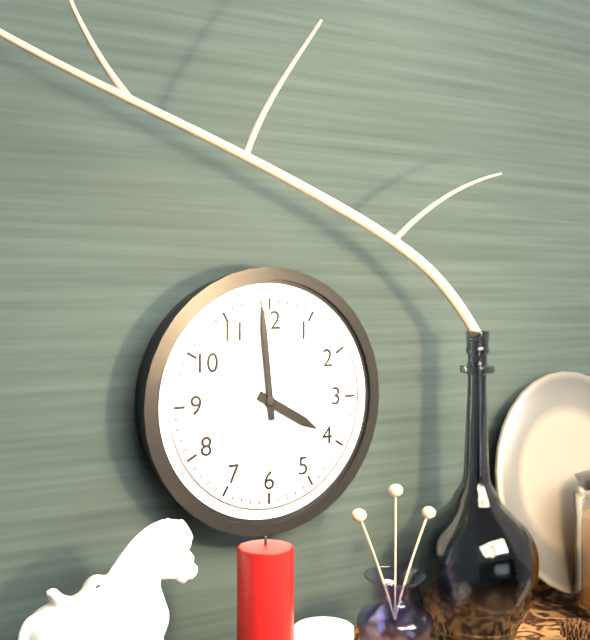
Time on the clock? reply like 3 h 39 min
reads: 3 h 59 min
